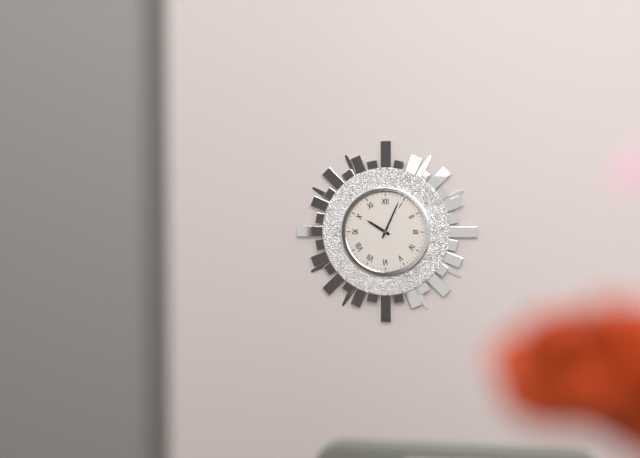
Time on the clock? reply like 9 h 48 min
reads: 10 h 04 min
